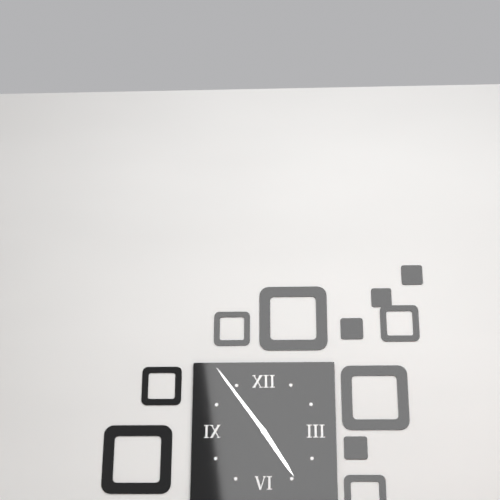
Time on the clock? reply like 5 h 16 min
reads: 4 h 54 min
